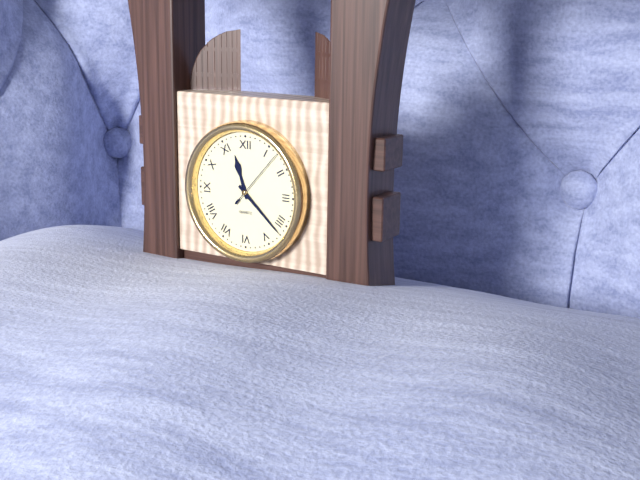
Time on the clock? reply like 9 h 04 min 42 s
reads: 11 h 22 min 07 s
